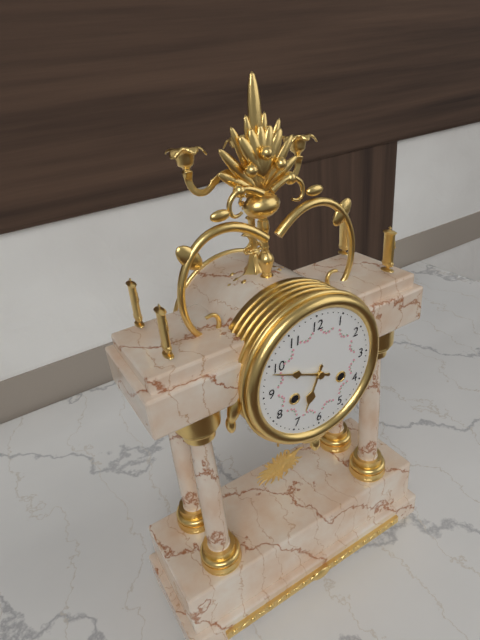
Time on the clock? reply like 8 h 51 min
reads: 6 h 49 min
